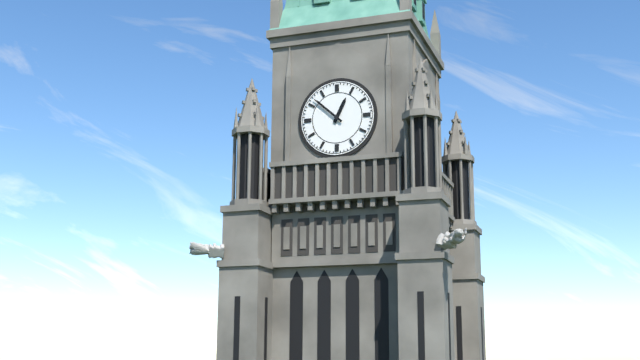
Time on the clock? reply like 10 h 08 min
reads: 12 h 52 min
